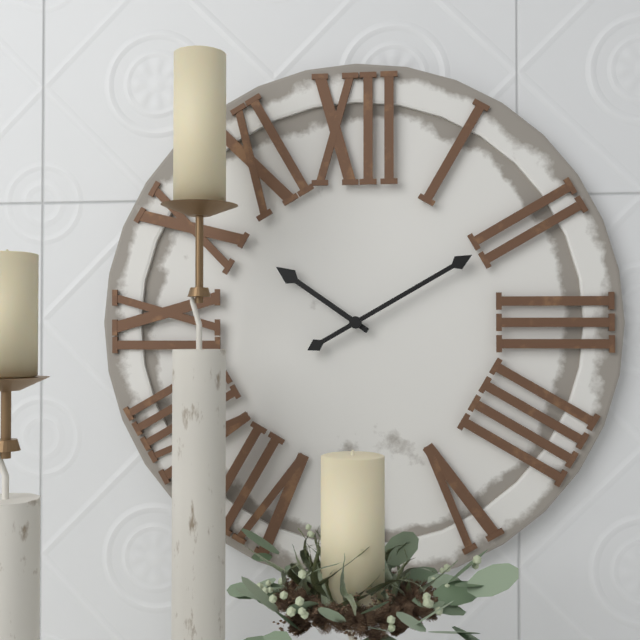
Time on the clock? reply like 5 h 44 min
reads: 10 h 10 min
